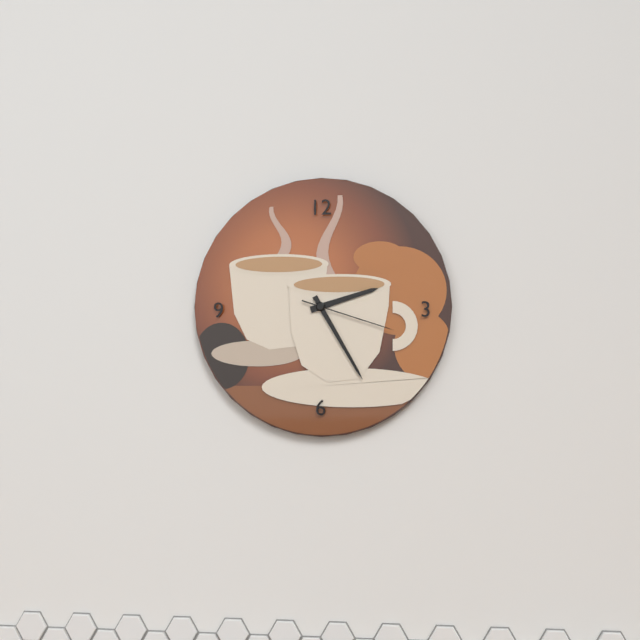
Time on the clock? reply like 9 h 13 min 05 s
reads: 2 h 25 min 18 s
